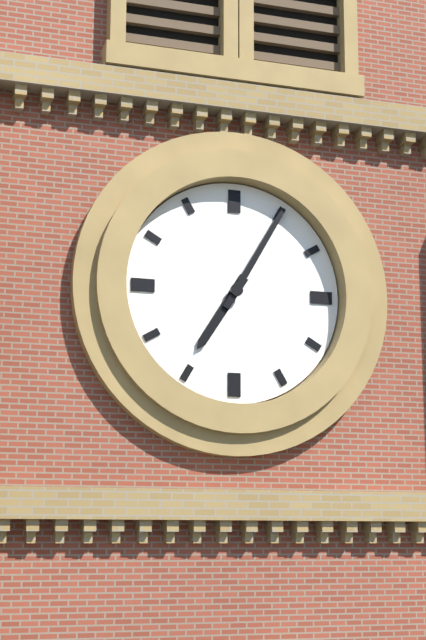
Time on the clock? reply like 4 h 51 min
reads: 7 h 05 min
